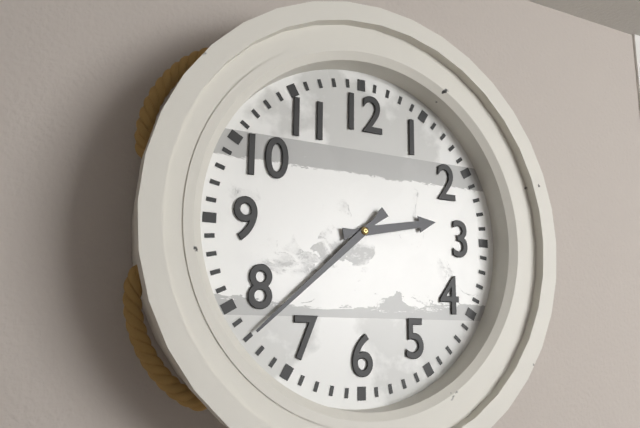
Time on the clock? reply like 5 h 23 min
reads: 2 h 38 min
